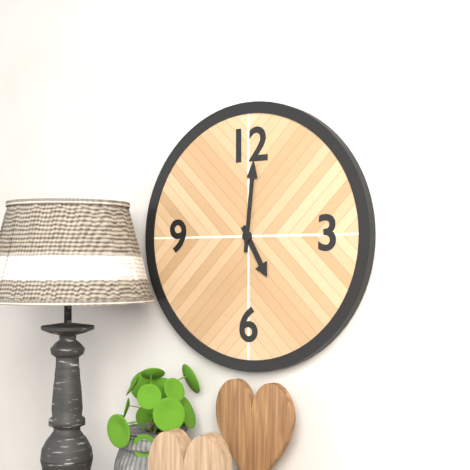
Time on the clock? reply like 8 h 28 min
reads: 5 h 01 min
